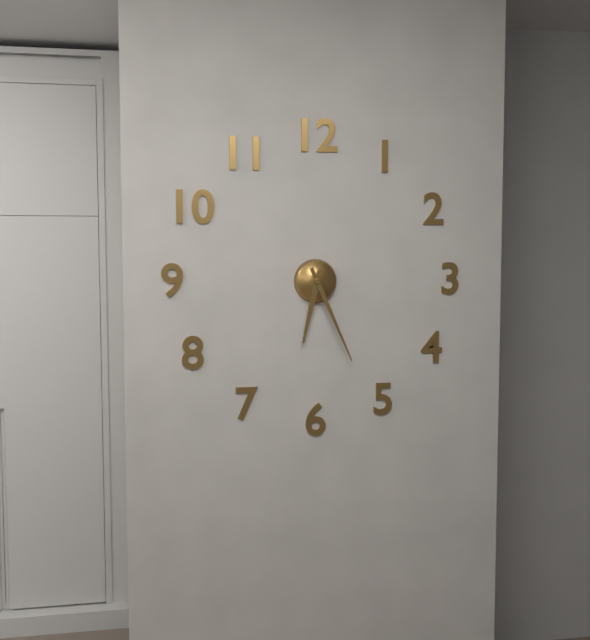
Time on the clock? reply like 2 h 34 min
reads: 6 h 26 min
